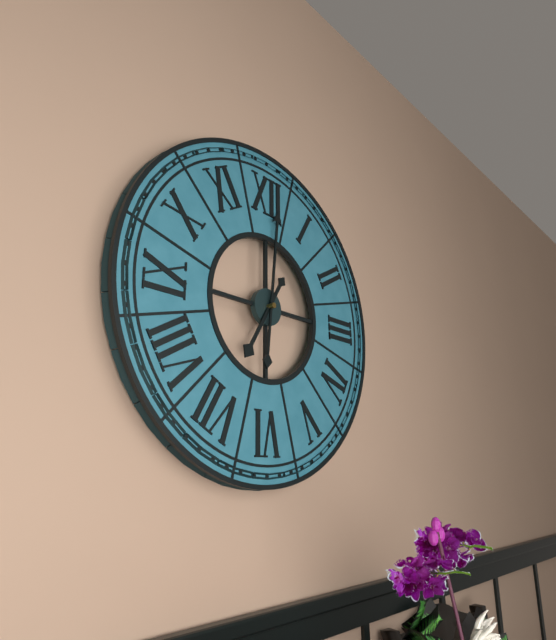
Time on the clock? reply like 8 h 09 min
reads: 7 h 01 min
